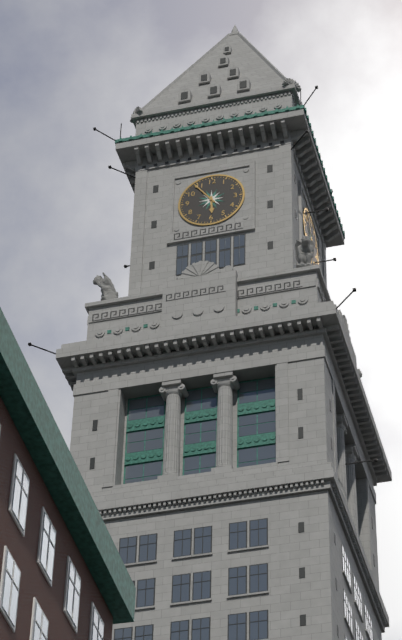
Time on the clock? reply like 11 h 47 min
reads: 5 h 54 min
